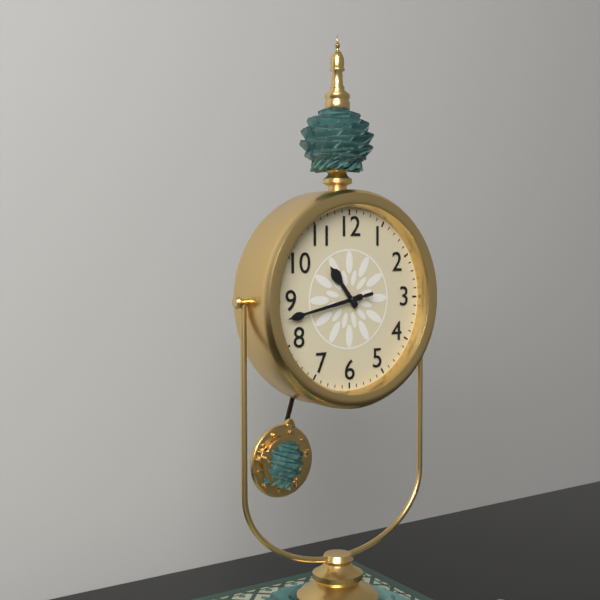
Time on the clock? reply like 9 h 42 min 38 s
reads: 10 h 43 min 43 s
